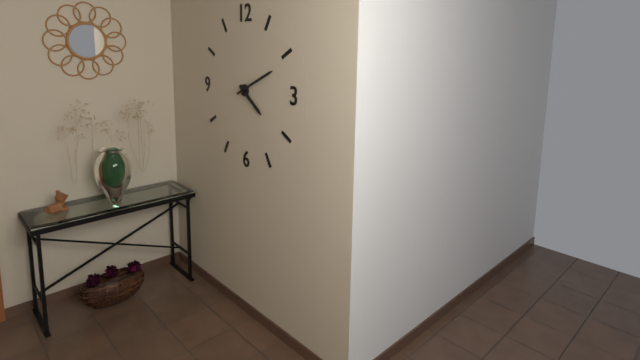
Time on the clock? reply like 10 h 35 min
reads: 4 h 11 min
